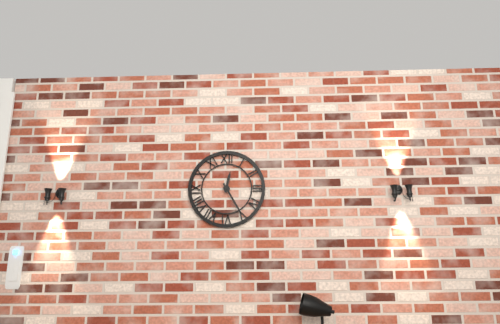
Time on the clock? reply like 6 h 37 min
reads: 12 h 25 min
